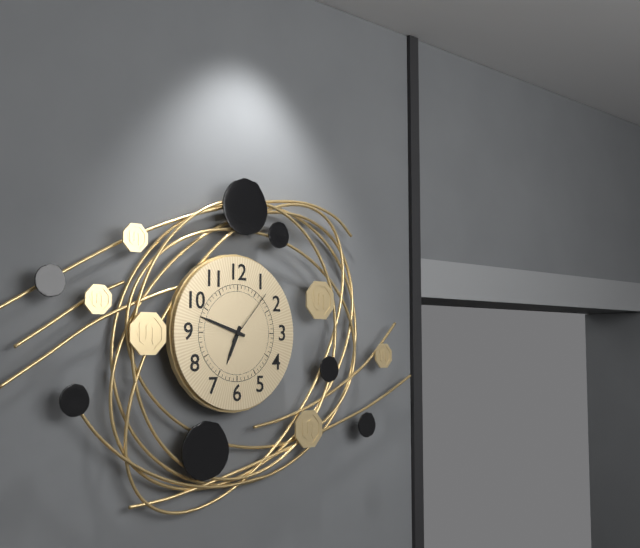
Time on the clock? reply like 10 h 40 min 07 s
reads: 6 h 48 min 07 s
